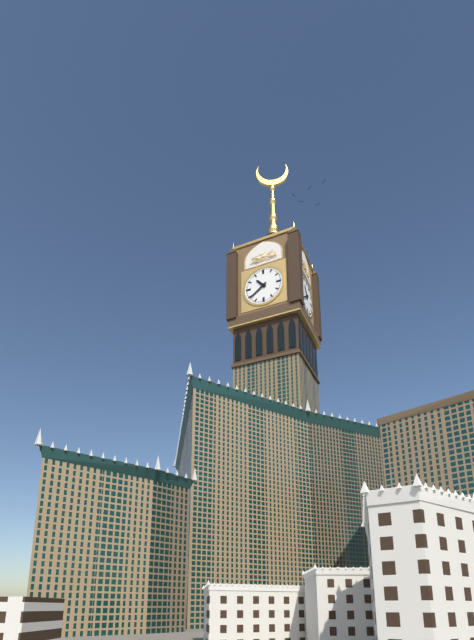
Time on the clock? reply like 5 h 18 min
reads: 10 h 39 min
